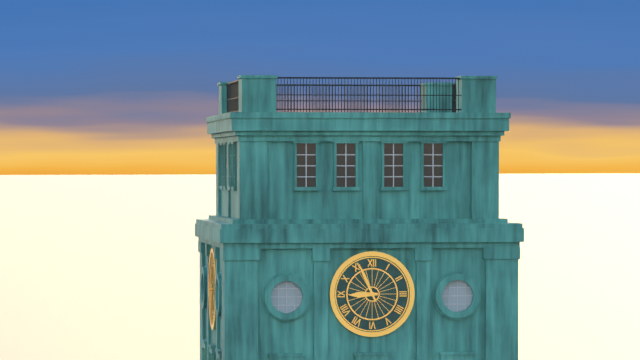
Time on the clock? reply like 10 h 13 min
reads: 8 h 56 min
